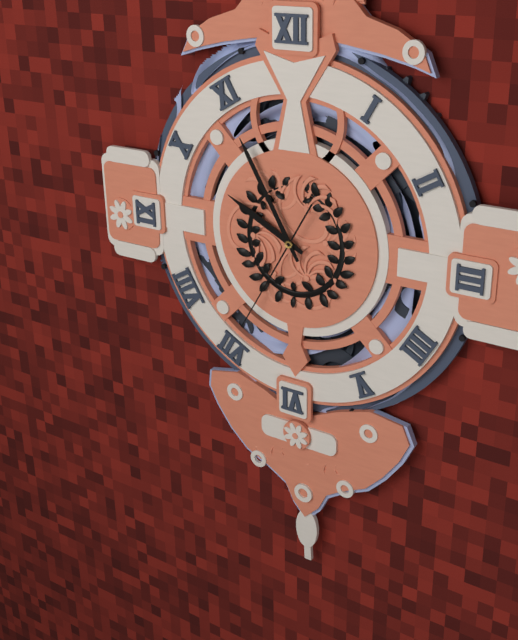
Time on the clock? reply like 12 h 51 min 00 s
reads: 9 h 55 min 35 s
